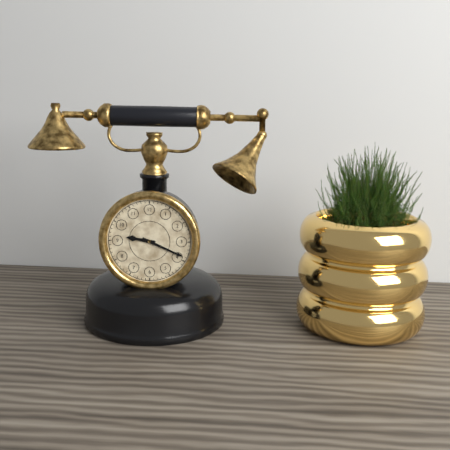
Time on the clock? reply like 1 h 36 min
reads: 9 h 19 min
